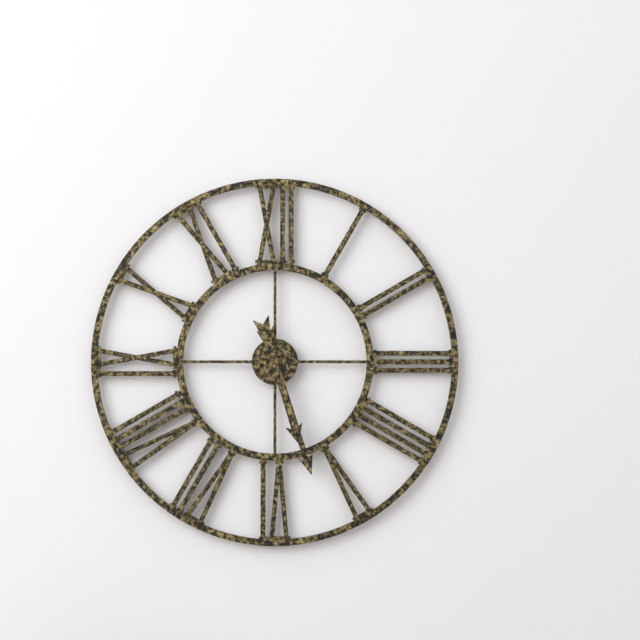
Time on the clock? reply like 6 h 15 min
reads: 5 h 27 min
